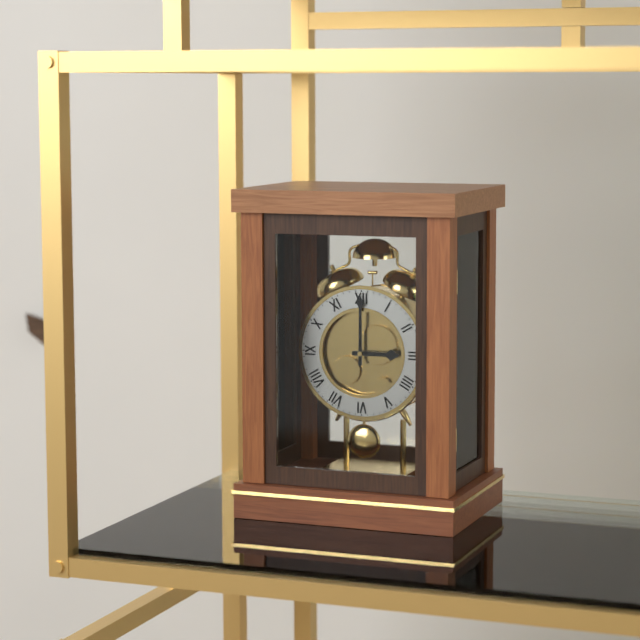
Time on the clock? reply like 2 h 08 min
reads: 3 h 00 min
